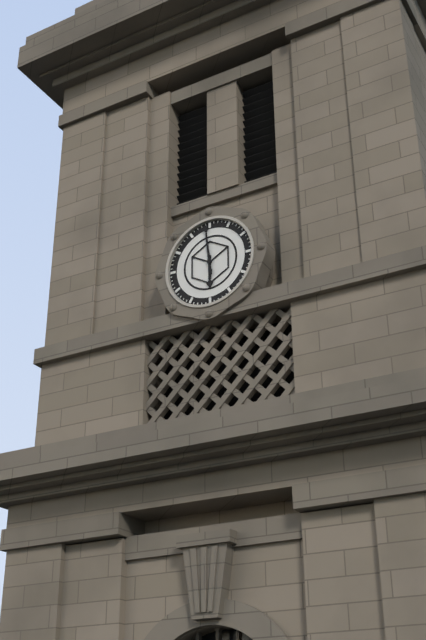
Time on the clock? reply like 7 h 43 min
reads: 5 h 59 min
